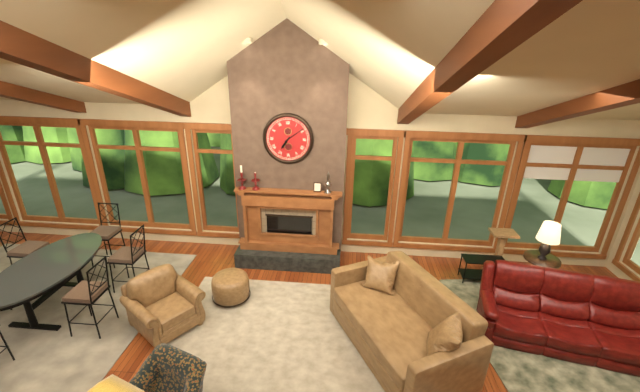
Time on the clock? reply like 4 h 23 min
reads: 7 h 09 min
